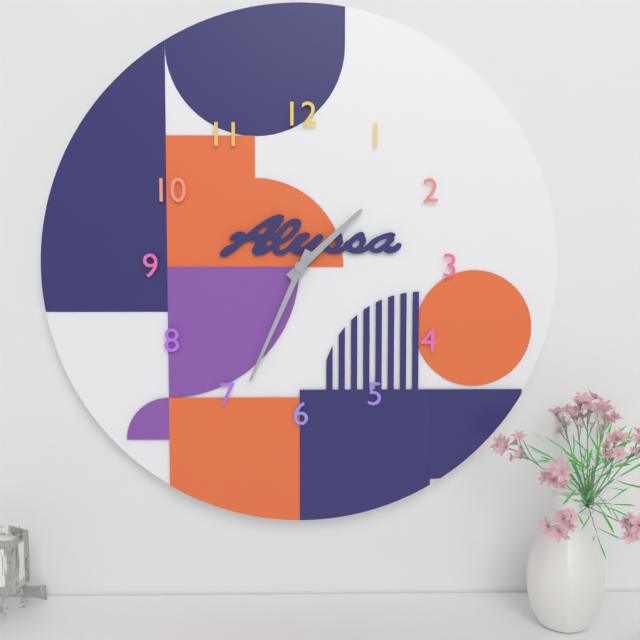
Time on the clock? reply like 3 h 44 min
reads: 1 h 34 min
